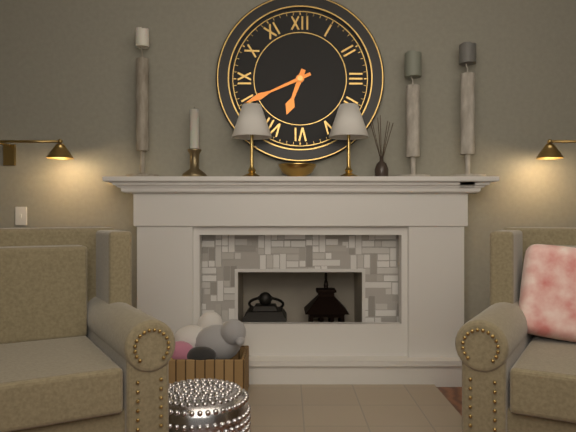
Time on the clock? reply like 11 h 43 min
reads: 6 h 41 min
